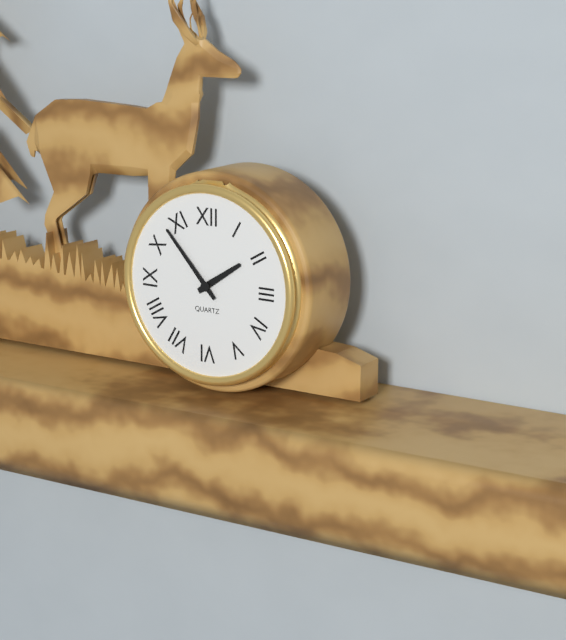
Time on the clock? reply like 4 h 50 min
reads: 1 h 53 min
